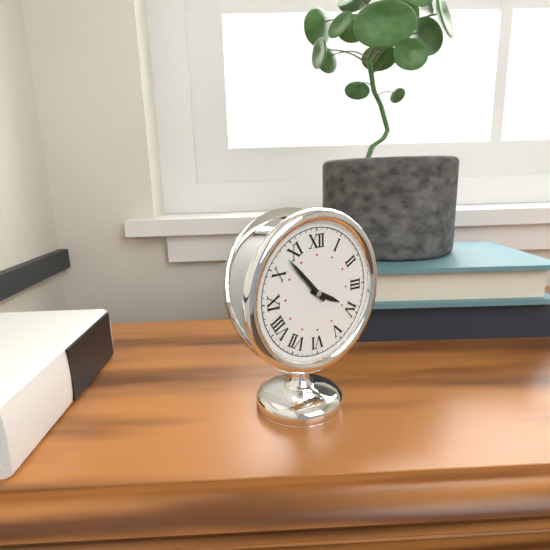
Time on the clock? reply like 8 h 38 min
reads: 3 h 53 min
